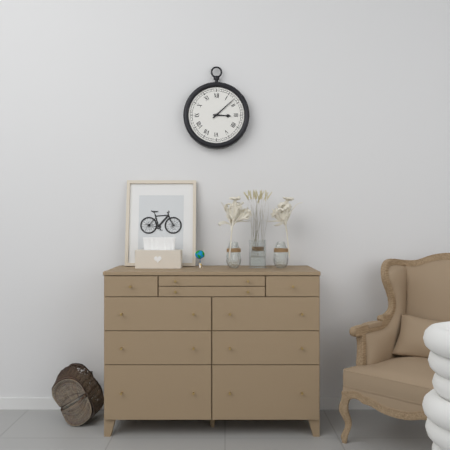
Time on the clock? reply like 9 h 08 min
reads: 3 h 08 min
